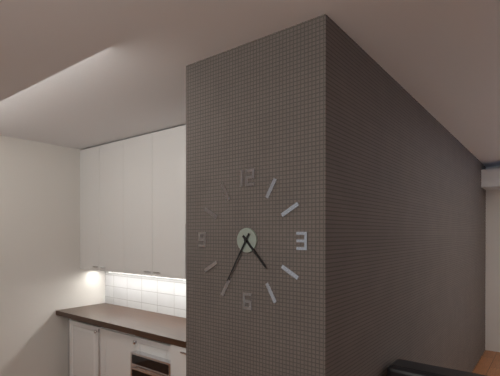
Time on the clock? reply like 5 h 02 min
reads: 4 h 35 min
